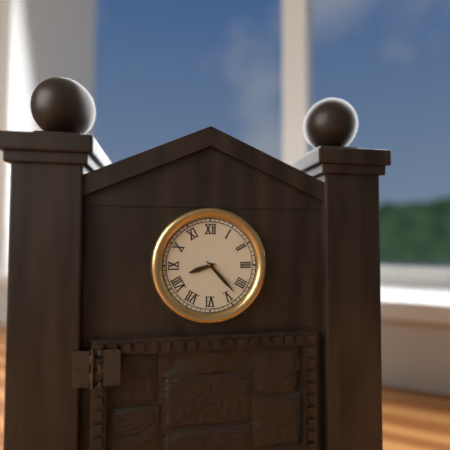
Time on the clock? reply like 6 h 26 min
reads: 8 h 23 min
